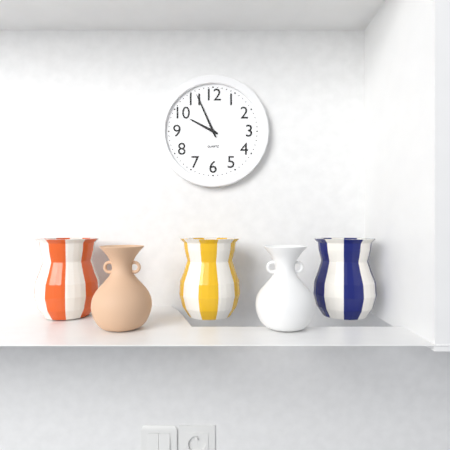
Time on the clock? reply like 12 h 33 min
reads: 9 h 56 min
